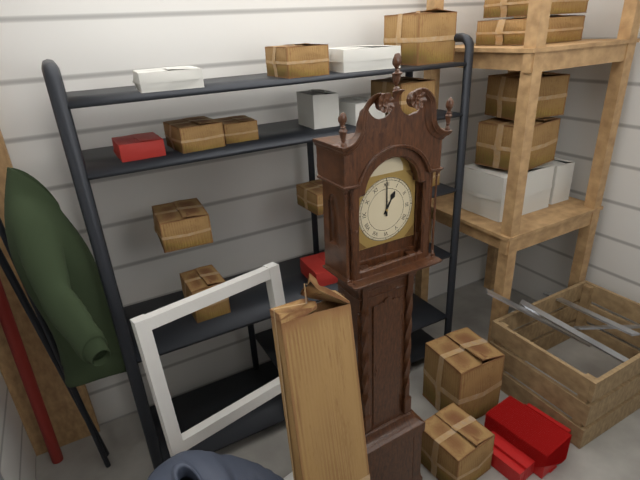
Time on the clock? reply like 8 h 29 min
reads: 1 h 00 min
